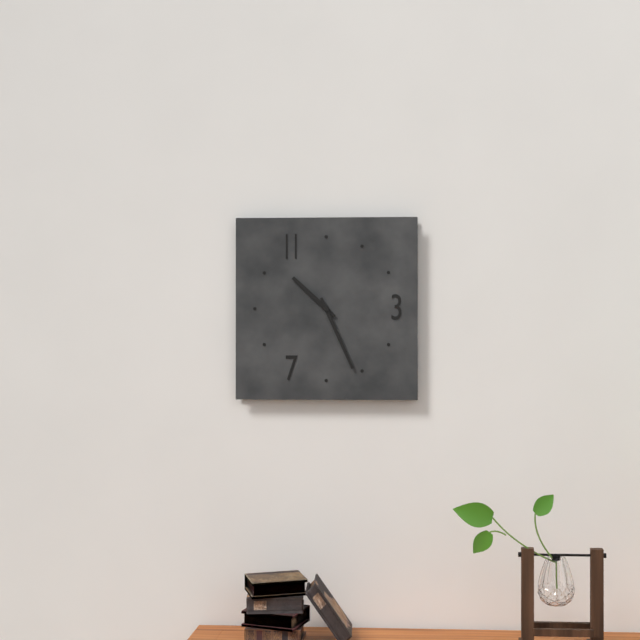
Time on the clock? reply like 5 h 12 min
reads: 10 h 26 min
